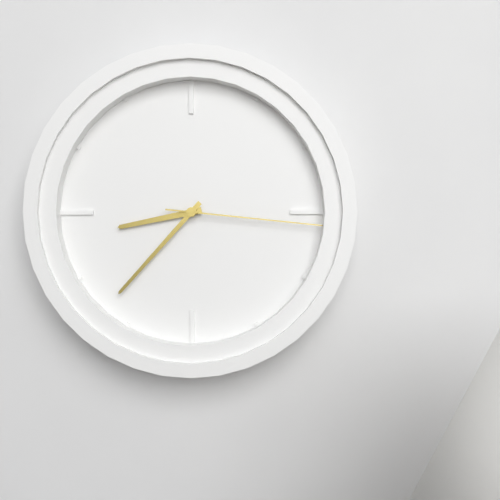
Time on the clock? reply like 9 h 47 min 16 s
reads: 8 h 37 min 16 s
